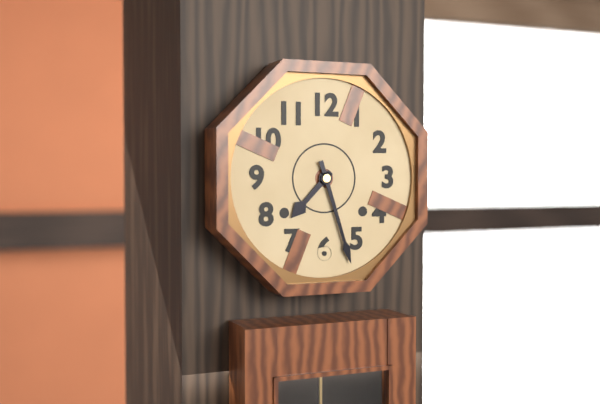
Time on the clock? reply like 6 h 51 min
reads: 7 h 27 min
